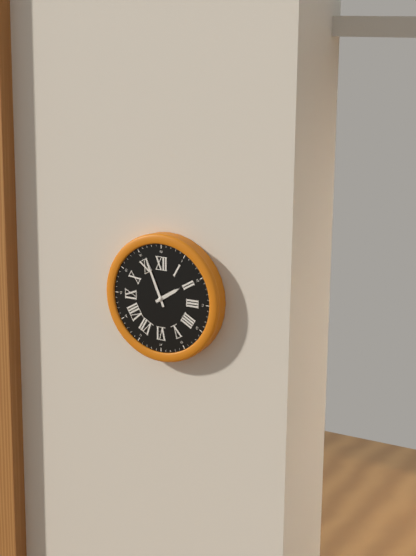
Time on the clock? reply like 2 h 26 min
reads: 1 h 56 min
